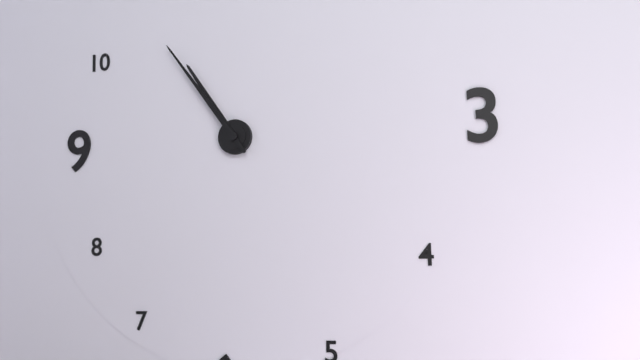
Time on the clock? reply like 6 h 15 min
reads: 10 h 54 min
